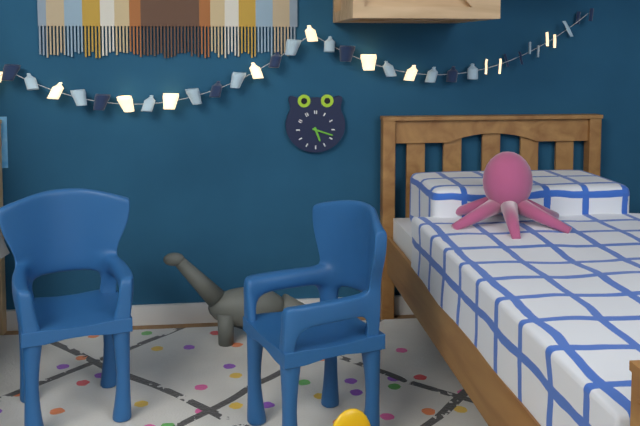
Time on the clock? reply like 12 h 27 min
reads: 5 h 18 min
